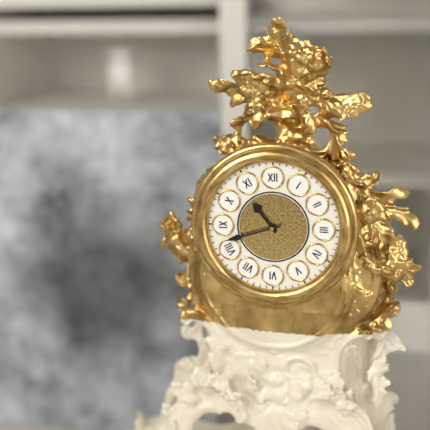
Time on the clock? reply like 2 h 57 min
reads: 10 h 42 min
